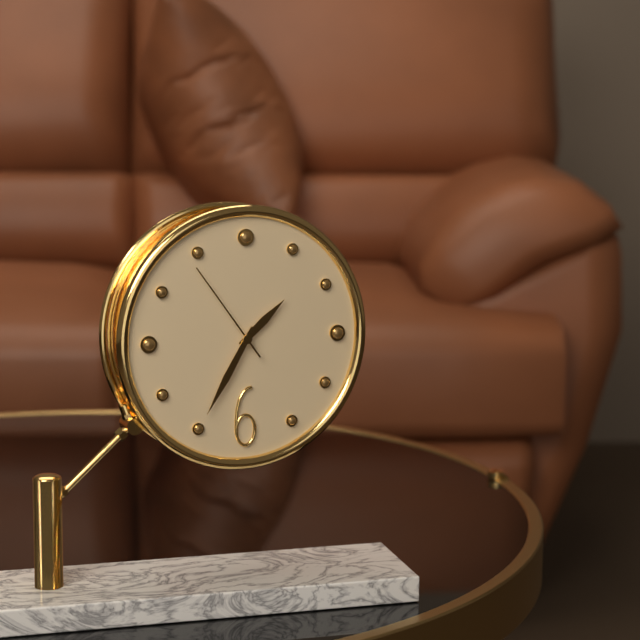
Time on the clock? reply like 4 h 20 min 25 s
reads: 1 h 35 min 54 s
